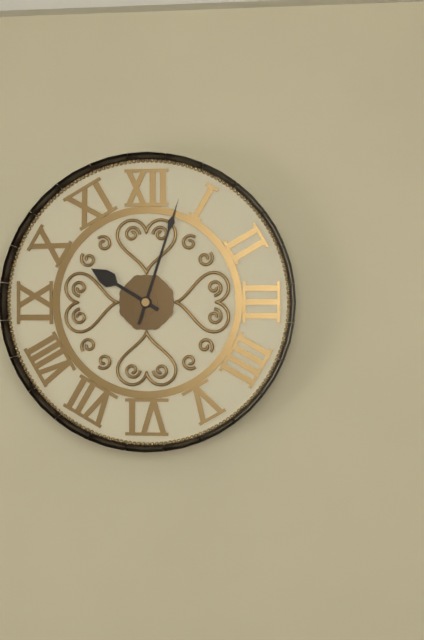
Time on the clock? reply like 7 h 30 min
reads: 10 h 03 min
